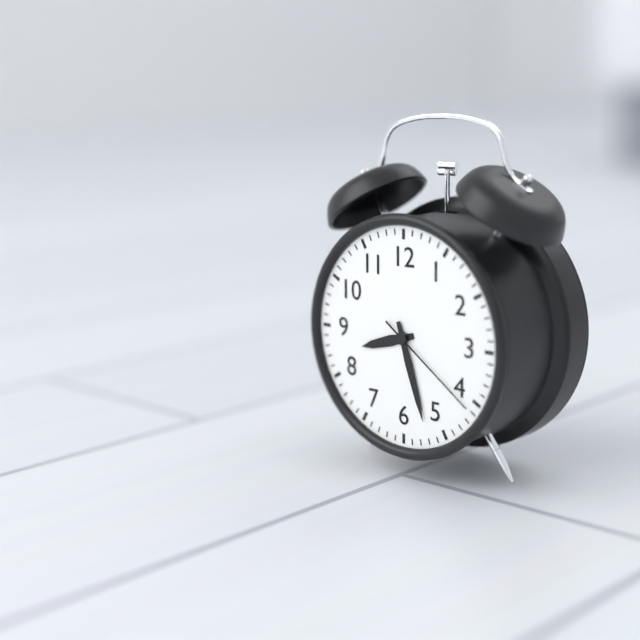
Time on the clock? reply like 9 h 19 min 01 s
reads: 8 h 27 min 21 s
